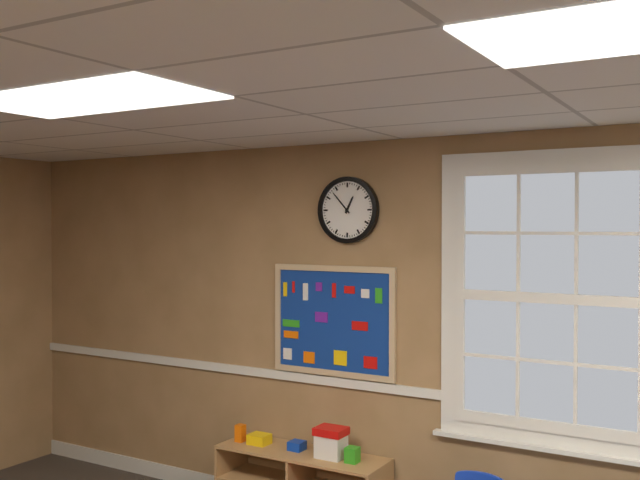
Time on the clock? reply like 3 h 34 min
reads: 12 h 53 min
